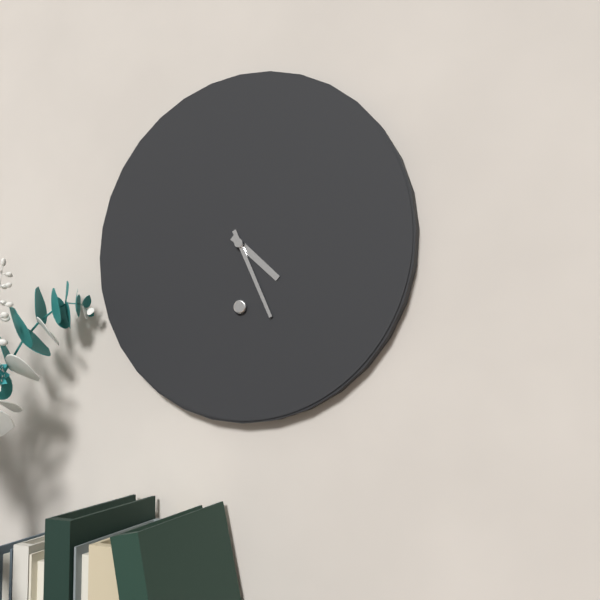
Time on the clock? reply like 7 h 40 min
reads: 4 h 26 min
